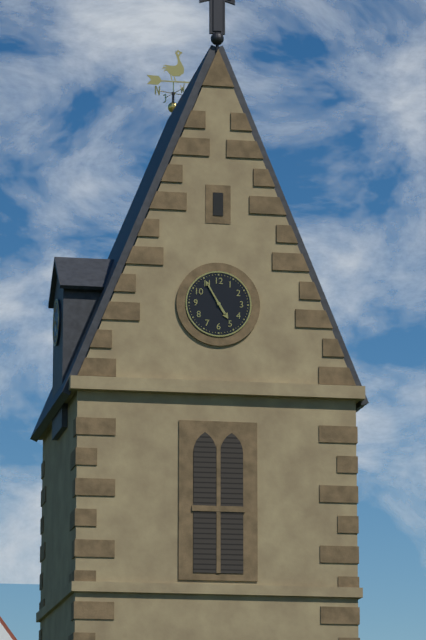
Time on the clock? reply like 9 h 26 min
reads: 4 h 55 min
